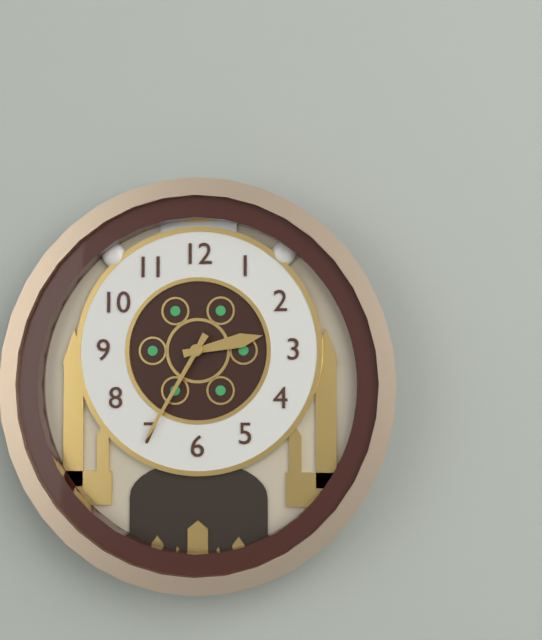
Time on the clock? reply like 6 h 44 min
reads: 2 h 35 min
